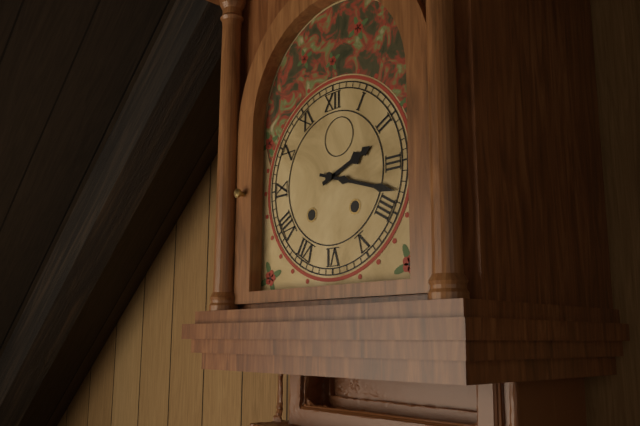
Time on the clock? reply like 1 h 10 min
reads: 2 h 18 min
